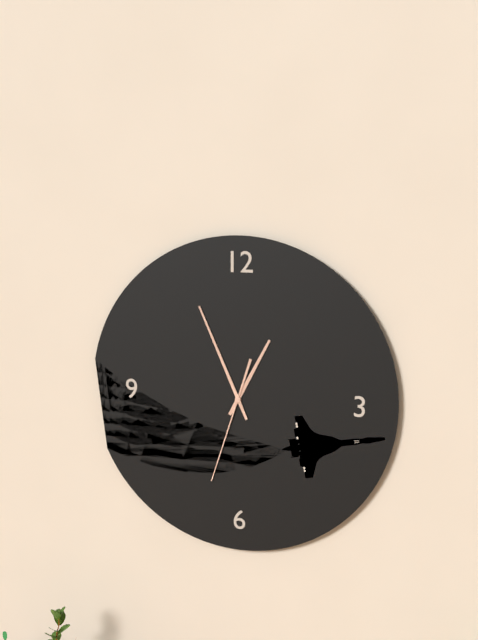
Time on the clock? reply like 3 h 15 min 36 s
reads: 12 h 56 min 33 s
